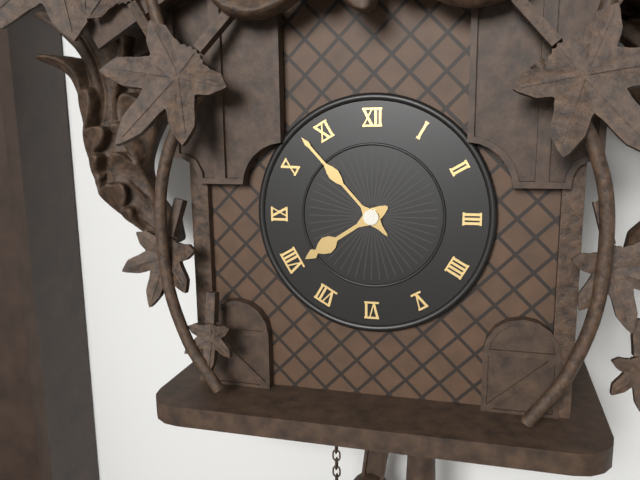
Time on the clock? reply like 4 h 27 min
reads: 7 h 53 min
